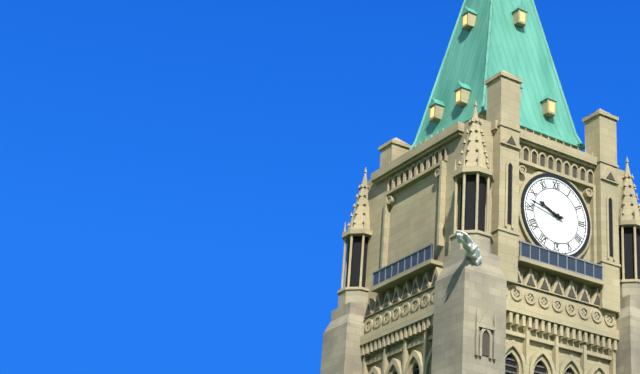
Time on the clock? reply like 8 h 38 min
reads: 9 h 47 min
